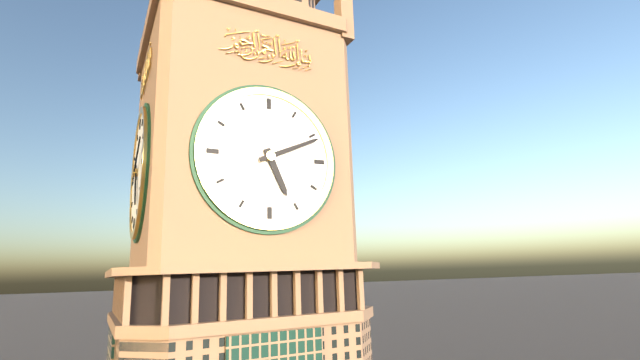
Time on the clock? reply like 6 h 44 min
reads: 5 h 11 min
